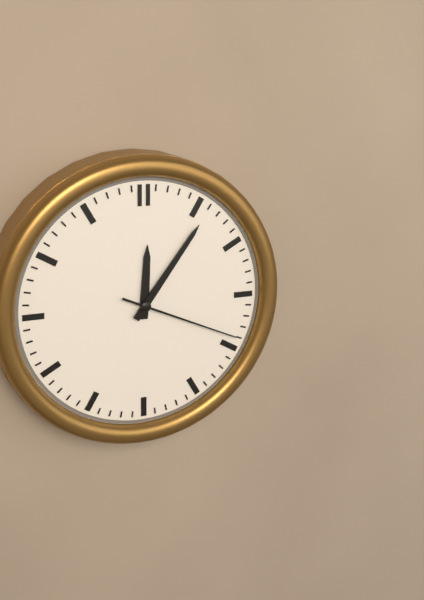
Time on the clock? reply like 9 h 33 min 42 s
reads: 12 h 06 min 19 s
